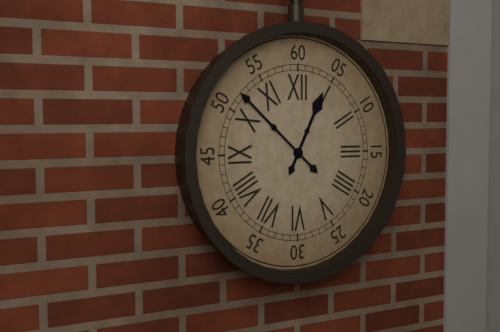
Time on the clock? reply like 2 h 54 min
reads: 12 h 52 min
